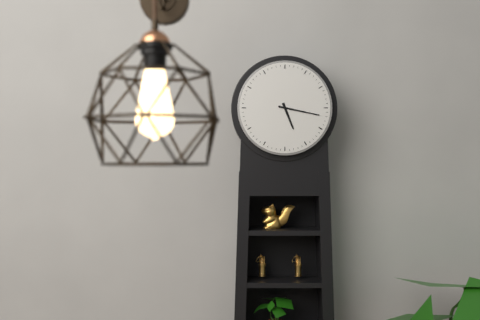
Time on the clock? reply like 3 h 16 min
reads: 5 h 17 min
